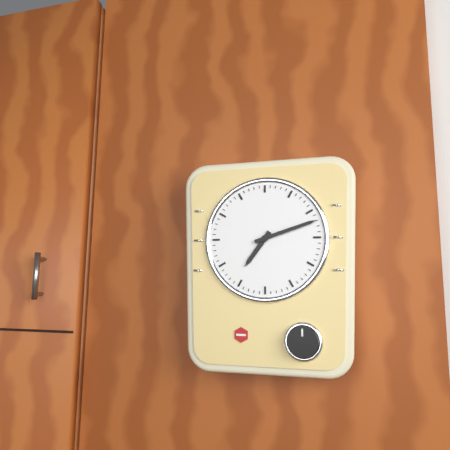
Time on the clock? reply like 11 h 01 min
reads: 7 h 12 min
